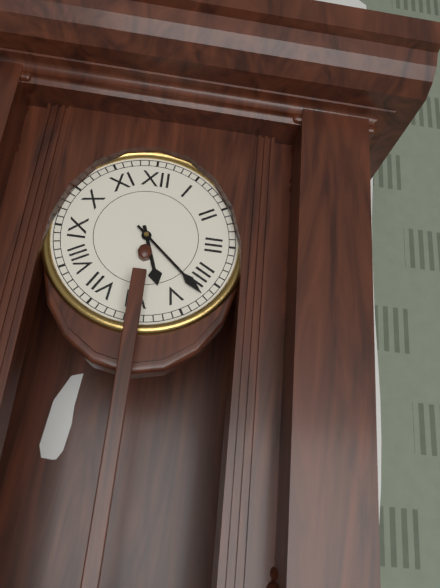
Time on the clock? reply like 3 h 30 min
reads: 5 h 22 min
